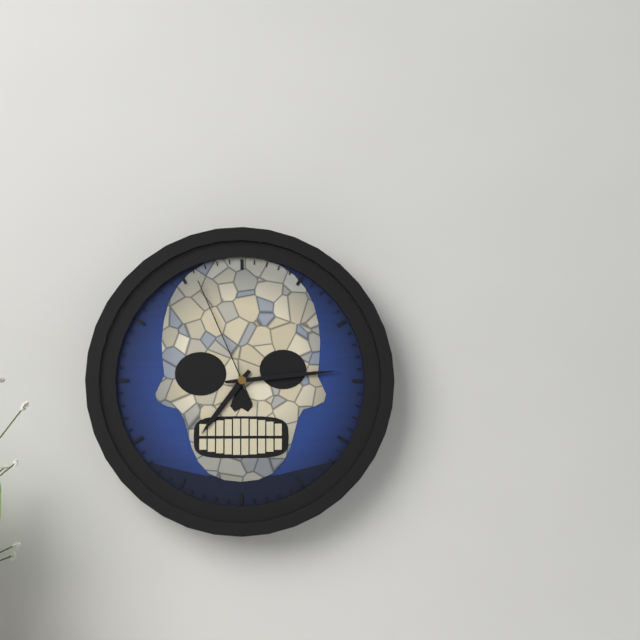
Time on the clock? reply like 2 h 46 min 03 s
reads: 7 h 14 min 56 s
